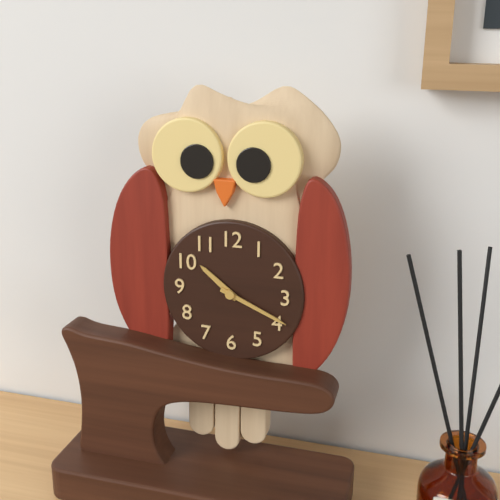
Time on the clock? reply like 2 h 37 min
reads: 10 h 19 min
